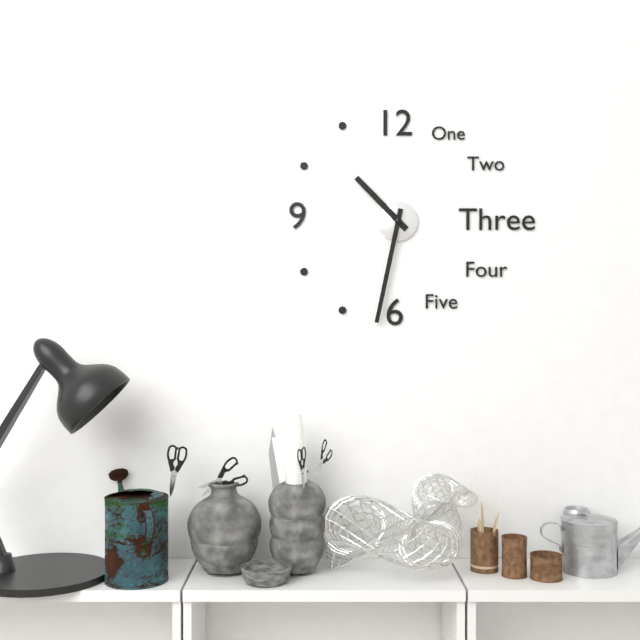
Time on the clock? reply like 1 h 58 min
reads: 10 h 32 min
